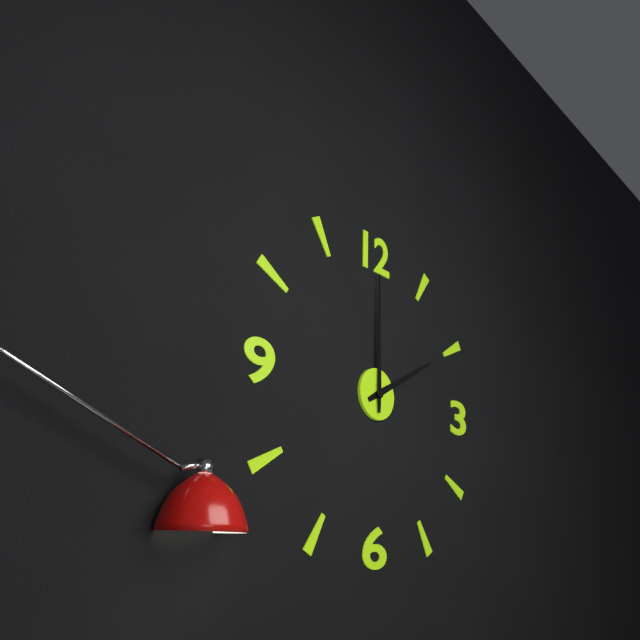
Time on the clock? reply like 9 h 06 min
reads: 2 h 00 min
